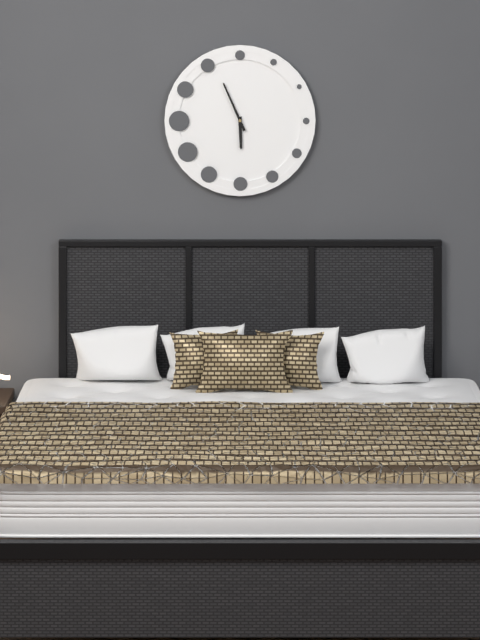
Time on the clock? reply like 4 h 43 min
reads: 5 h 56 min
